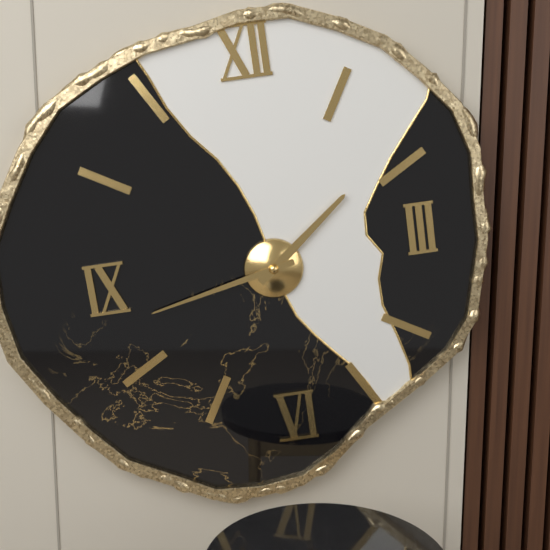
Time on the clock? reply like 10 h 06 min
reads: 1 h 43 min
